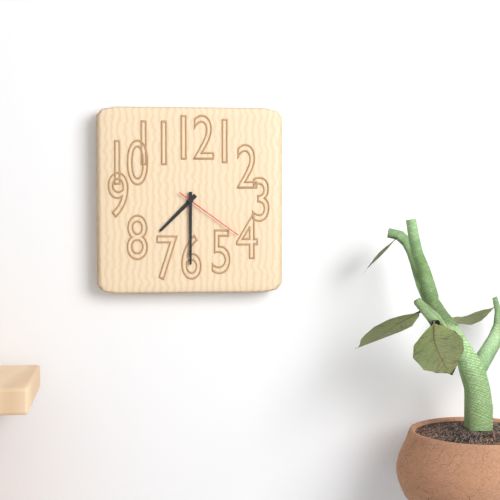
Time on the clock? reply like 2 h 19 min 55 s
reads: 7 h 30 min 21 s
